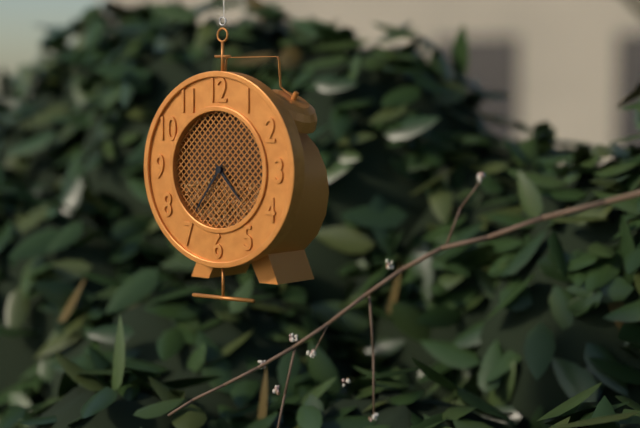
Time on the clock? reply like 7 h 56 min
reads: 4 h 36 min
